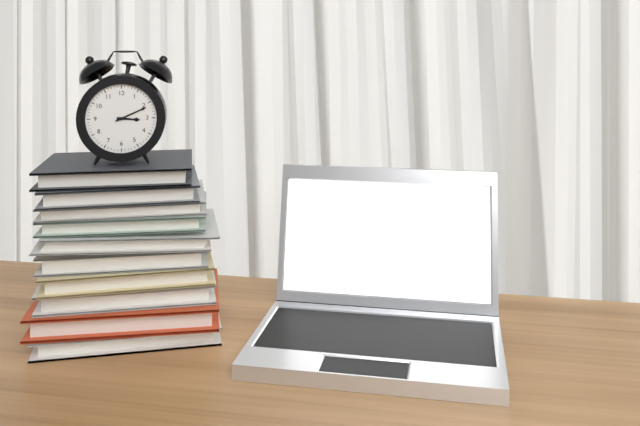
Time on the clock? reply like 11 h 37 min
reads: 3 h 11 min
